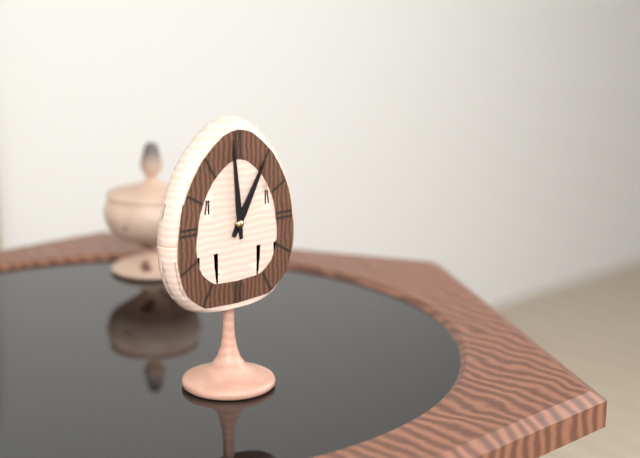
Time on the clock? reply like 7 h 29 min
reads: 12 h 59 min
